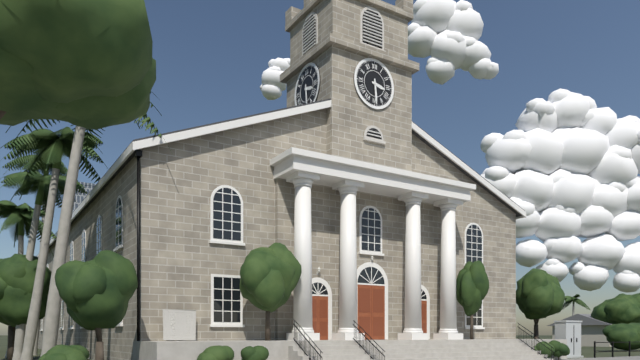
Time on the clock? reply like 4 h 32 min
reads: 3 h 29 min
